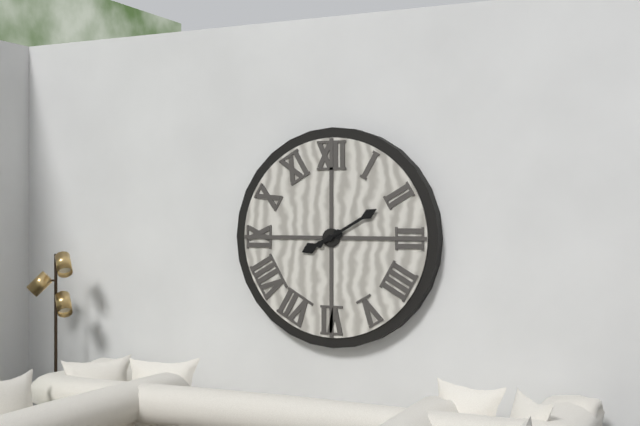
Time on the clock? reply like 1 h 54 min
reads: 8 h 10 min
